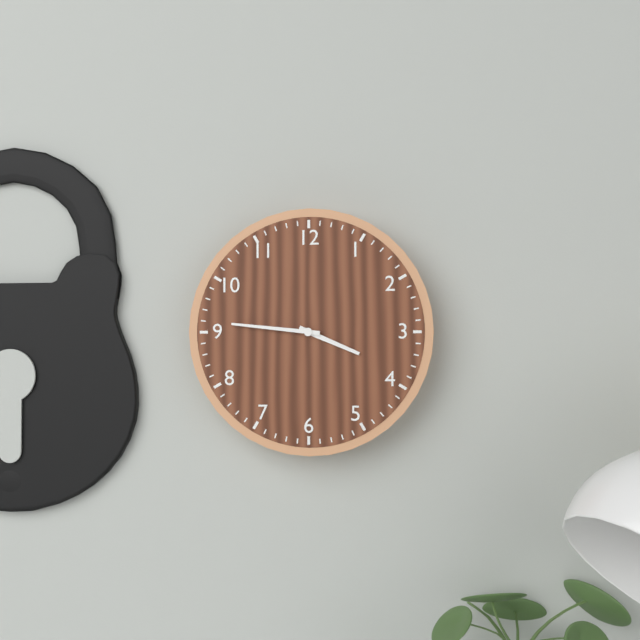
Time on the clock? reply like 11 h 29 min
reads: 3 h 46 min
